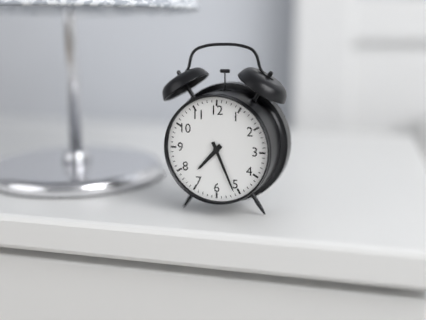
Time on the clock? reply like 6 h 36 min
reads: 7 h 26 min
